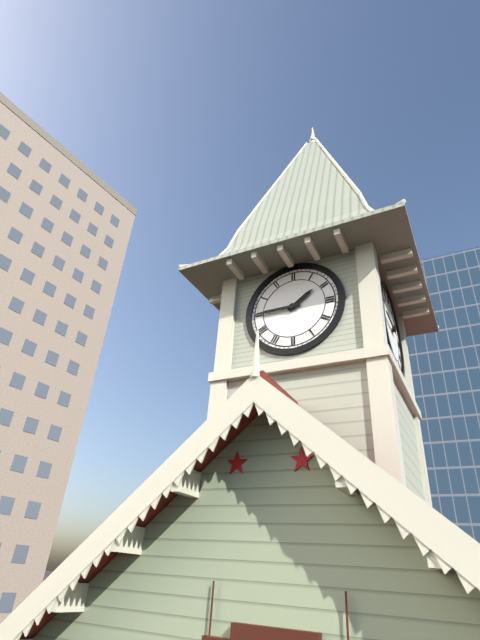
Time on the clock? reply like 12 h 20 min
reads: 1 h 45 min
